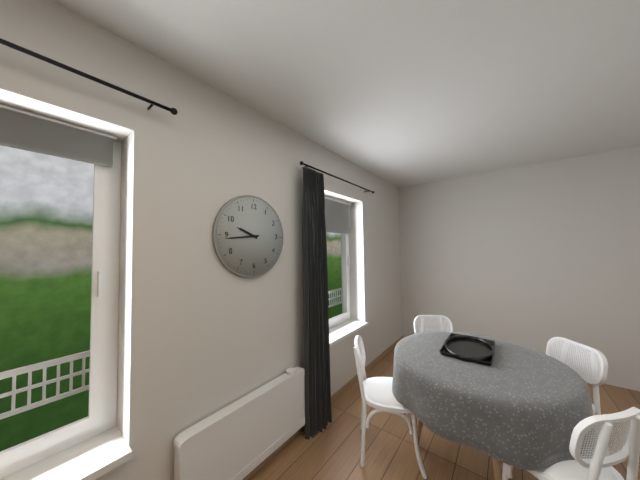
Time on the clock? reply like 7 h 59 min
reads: 9 h 44 min
